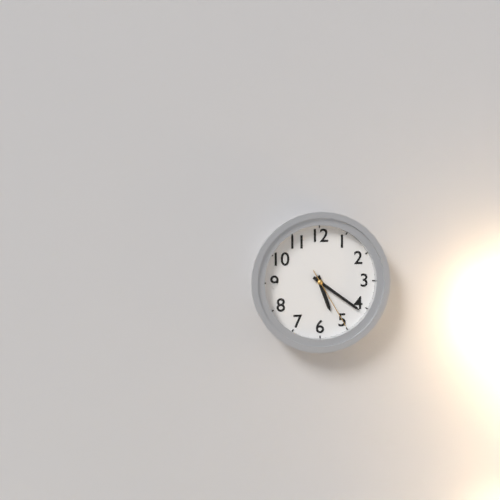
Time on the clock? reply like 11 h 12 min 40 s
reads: 5 h 21 min 25 s
